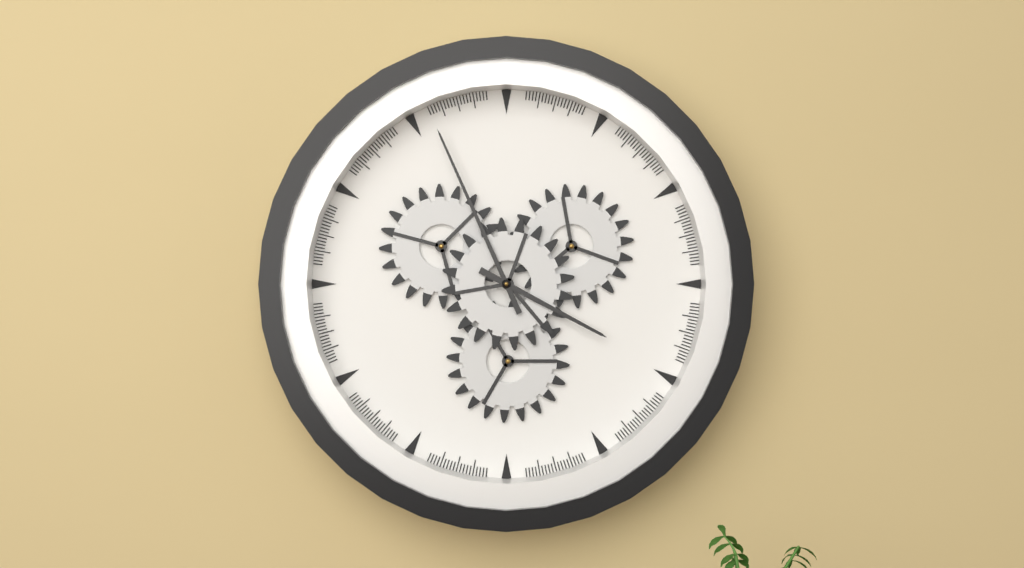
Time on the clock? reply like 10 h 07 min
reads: 3 h 56 min
